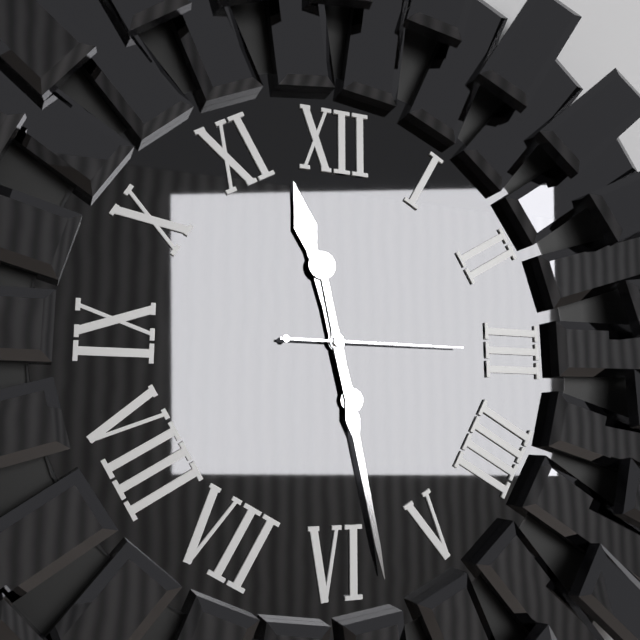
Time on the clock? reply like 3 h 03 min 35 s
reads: 11 h 28 min 15 s
